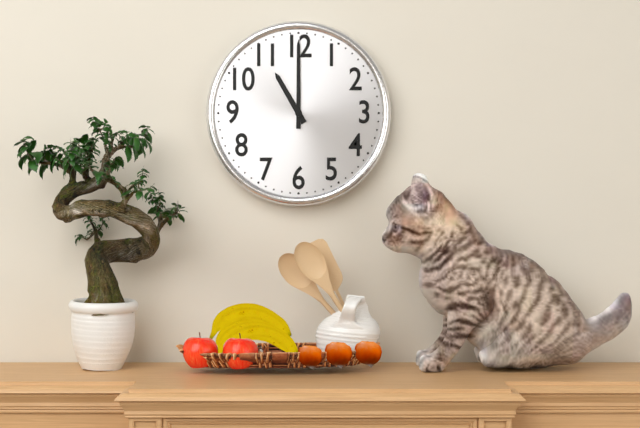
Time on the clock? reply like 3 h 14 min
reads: 11 h 00 min
